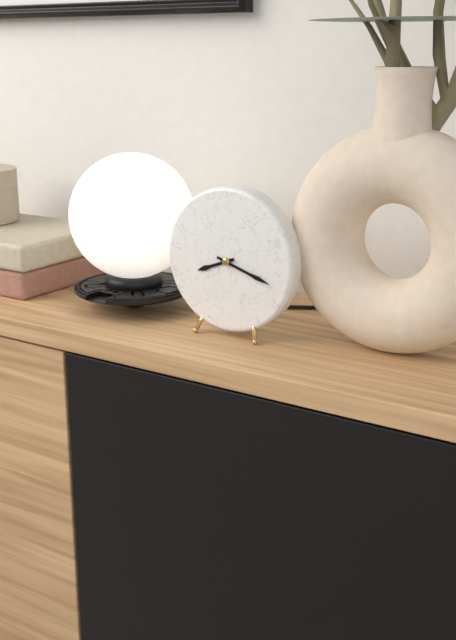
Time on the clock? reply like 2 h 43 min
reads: 8 h 18 min
